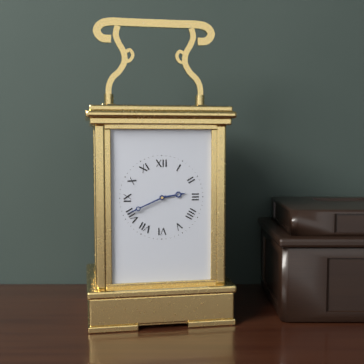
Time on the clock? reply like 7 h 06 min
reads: 2 h 41 min
